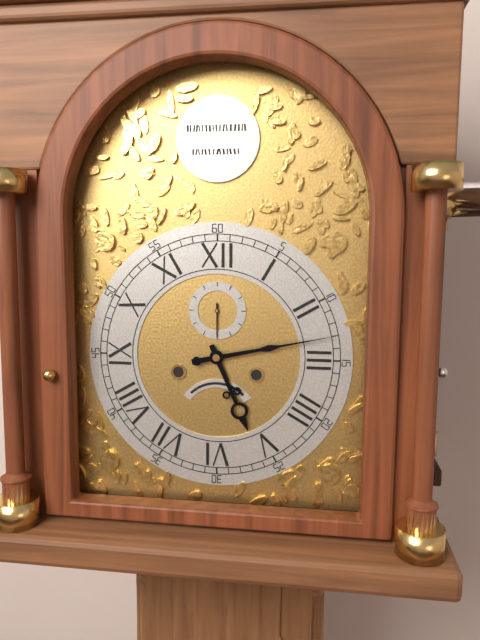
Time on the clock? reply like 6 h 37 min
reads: 5 h 13 min
